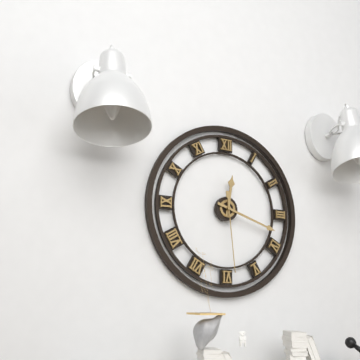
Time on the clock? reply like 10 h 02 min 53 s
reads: 12 h 18 min 29 s
